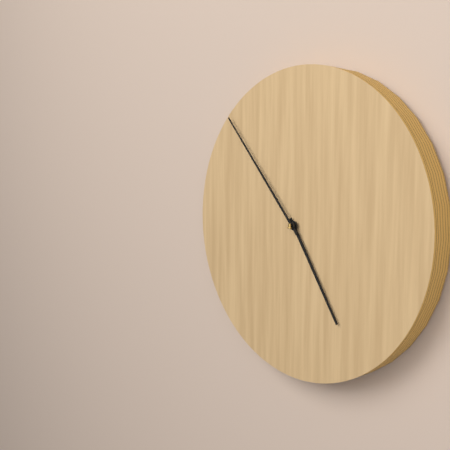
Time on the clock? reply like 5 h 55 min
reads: 4 h 53 min
